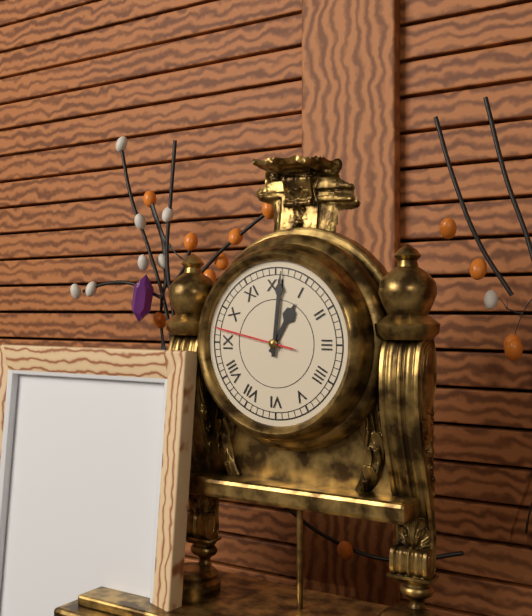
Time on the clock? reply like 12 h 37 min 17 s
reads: 1 h 01 min 47 s
